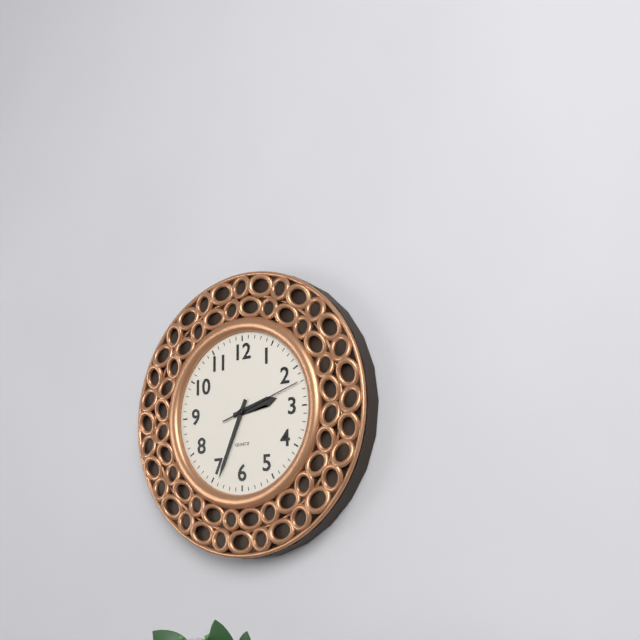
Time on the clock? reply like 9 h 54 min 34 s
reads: 2 h 34 min 12 s
